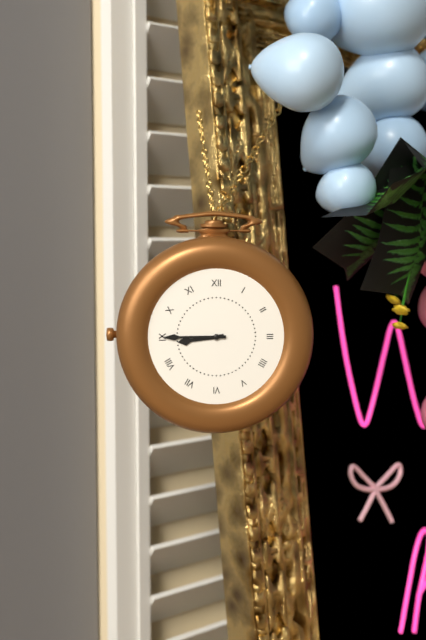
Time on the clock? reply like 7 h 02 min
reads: 8 h 45 min
